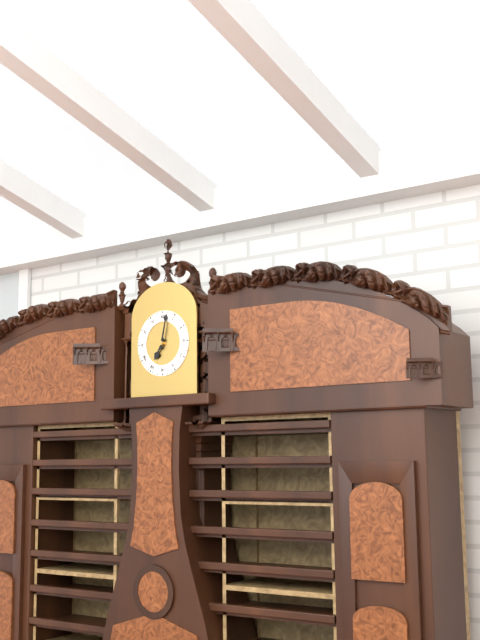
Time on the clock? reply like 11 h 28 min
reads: 7 h 02 min
